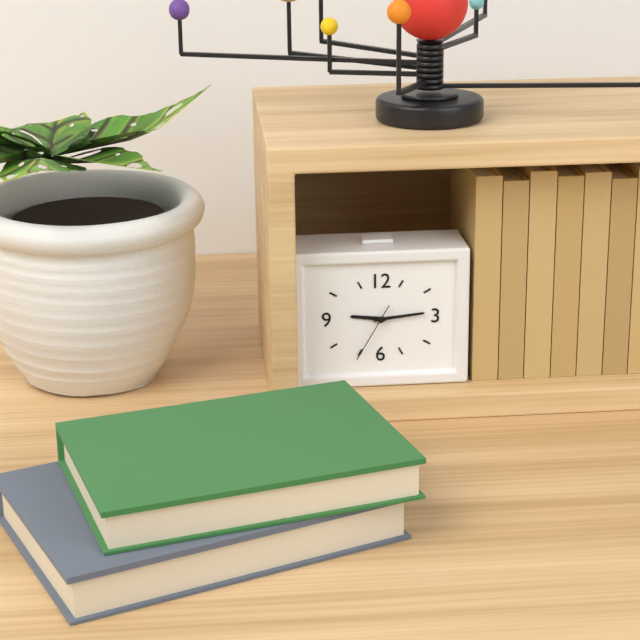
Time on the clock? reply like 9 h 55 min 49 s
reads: 9 h 14 min 35 s
